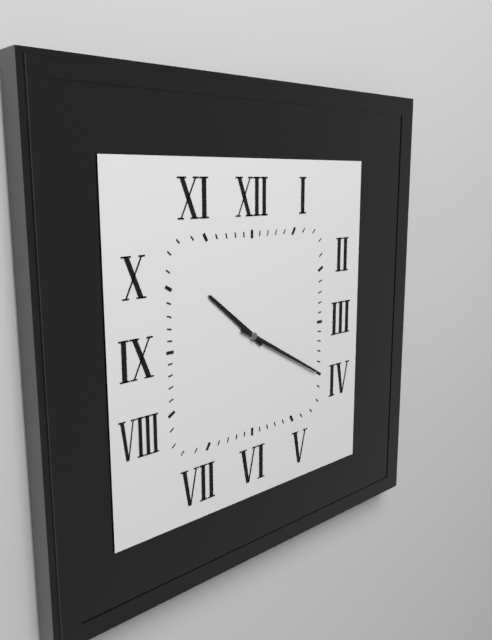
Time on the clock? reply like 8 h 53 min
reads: 10 h 20 min
